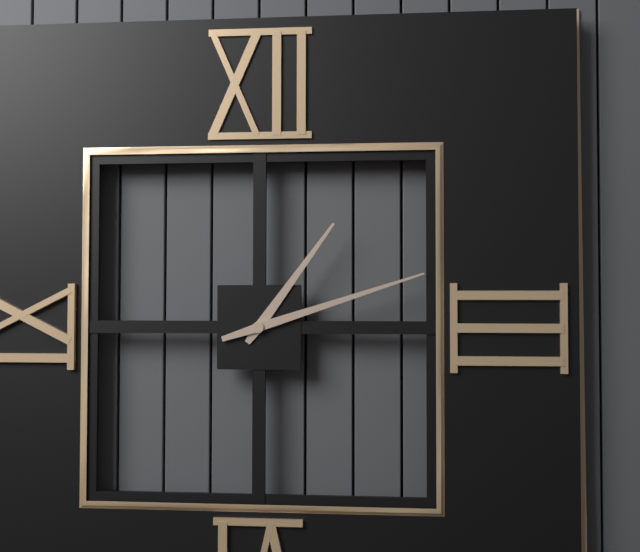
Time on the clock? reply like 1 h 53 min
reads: 1 h 12 min
